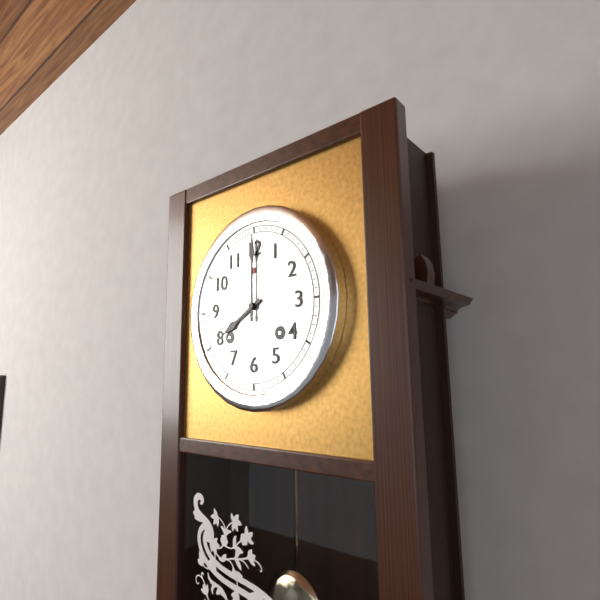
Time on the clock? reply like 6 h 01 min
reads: 8 h 00 min
